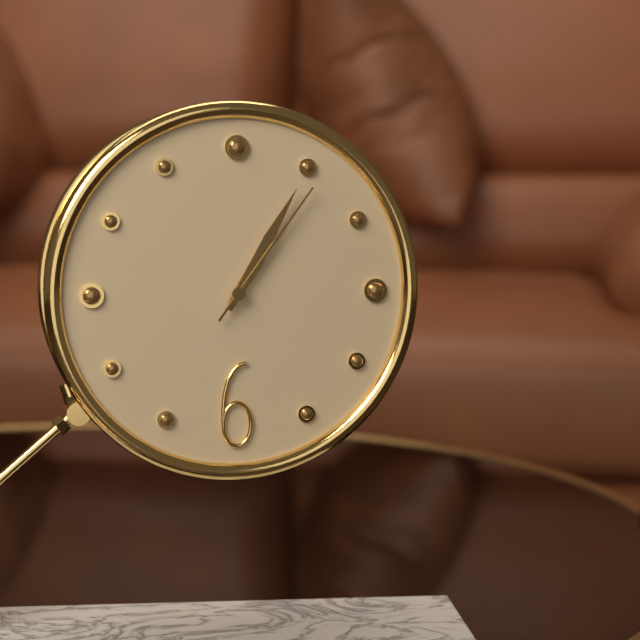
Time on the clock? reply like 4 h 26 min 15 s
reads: 1 h 05 min 06 s
